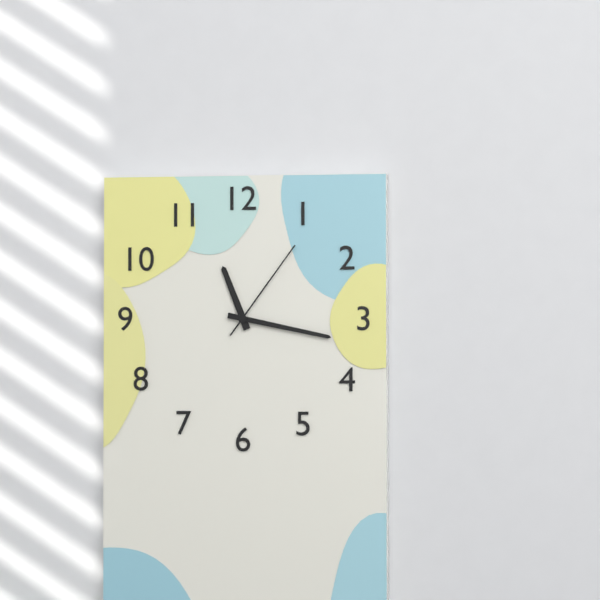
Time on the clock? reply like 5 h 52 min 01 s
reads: 11 h 17 min 06 s
